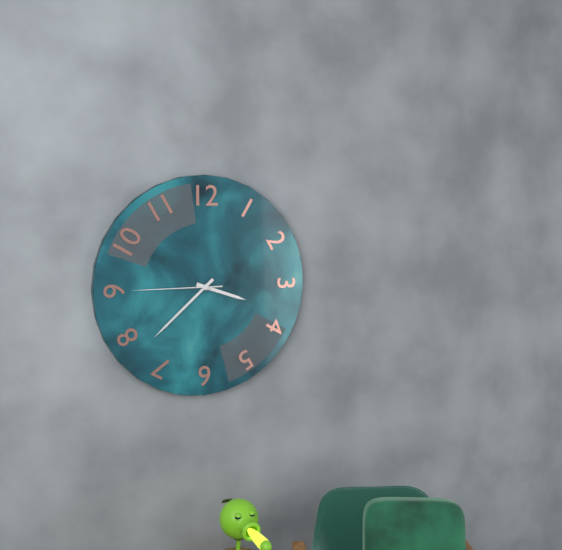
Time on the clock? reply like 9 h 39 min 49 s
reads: 3 h 38 min 45 s
